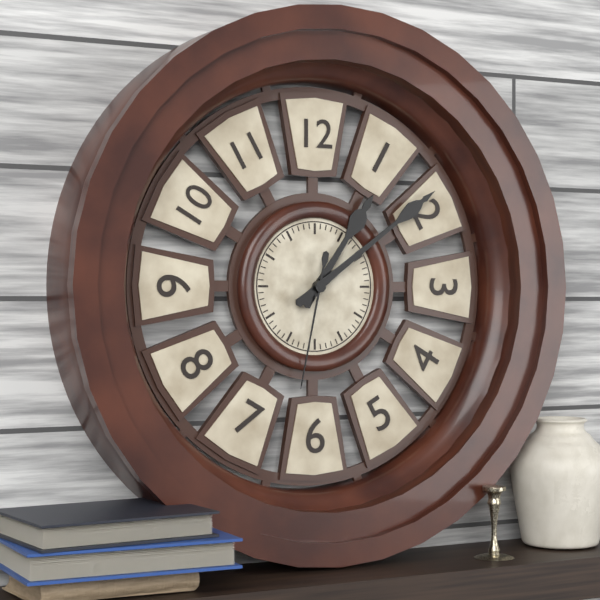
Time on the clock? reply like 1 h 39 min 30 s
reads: 1 h 09 min 32 s
